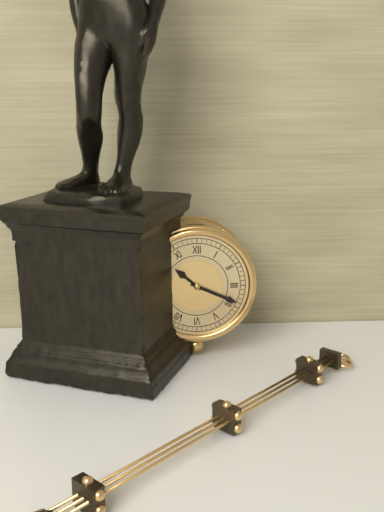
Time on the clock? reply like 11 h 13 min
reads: 10 h 19 min
